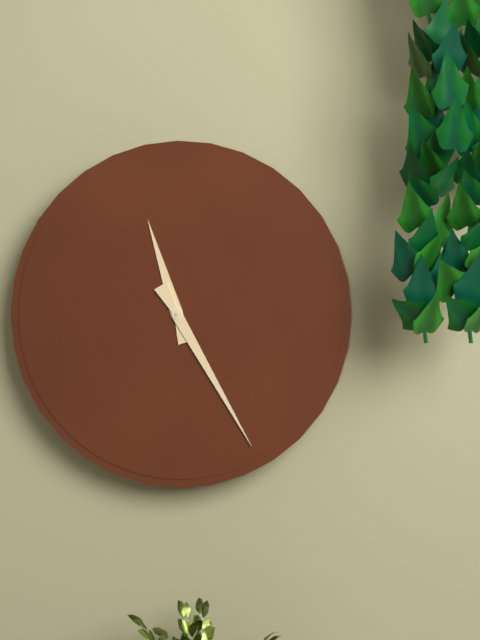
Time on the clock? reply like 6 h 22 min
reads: 11 h 25 min
